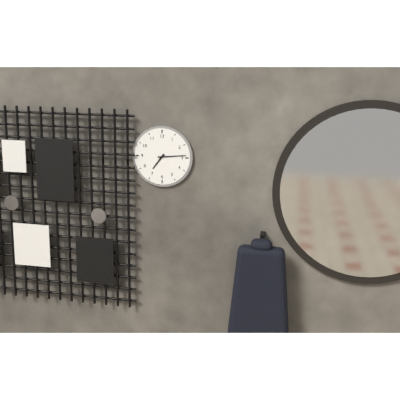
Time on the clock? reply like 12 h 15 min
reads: 7 h 14 min
